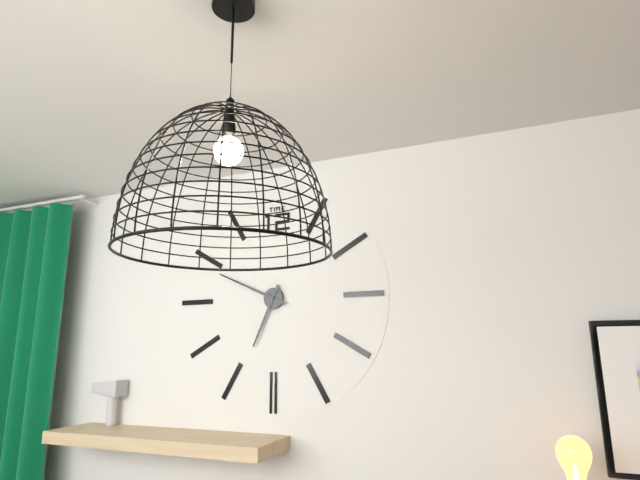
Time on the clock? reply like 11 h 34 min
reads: 6 h 49 min
